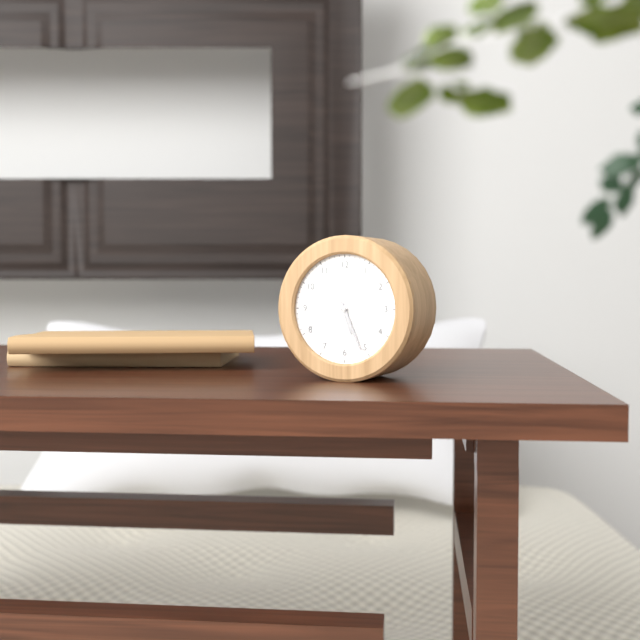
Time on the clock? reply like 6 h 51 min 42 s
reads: 5 h 26 min 41 s
